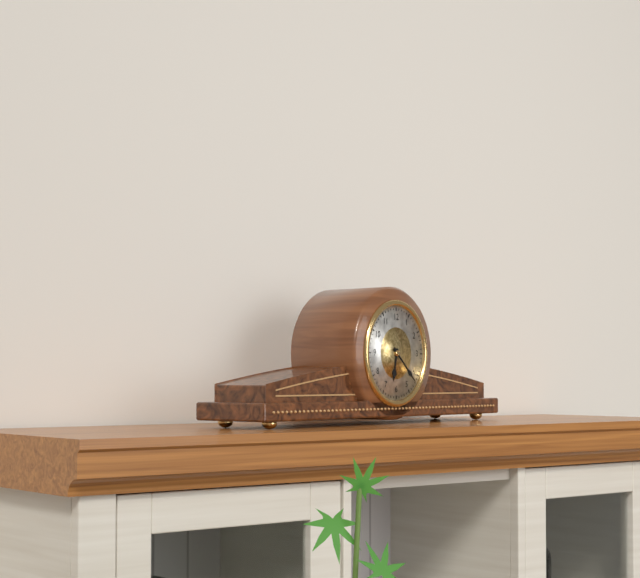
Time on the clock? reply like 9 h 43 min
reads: 6 h 22 min
